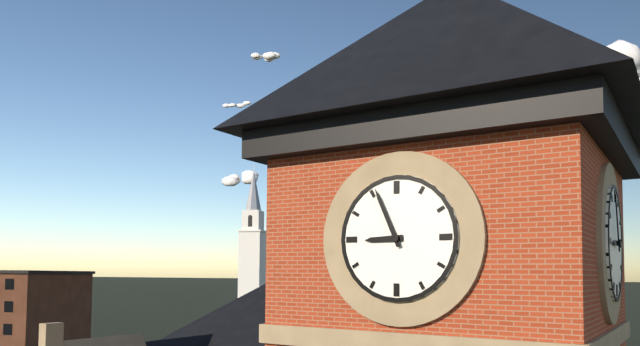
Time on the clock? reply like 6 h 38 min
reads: 8 h 56 min
